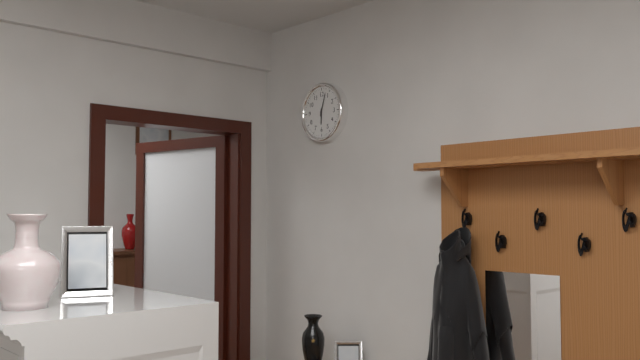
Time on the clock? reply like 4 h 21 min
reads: 6 h 03 min
